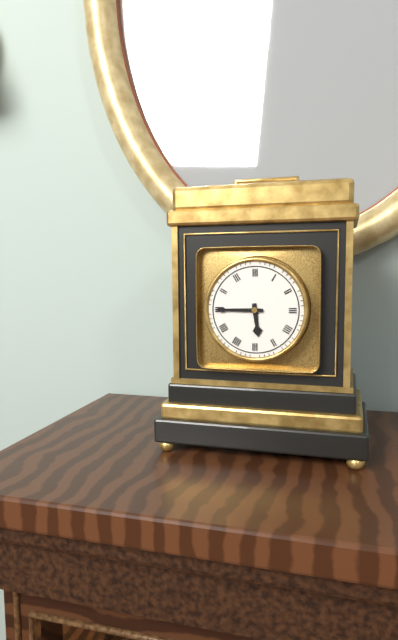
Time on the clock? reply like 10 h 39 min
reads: 5 h 45 min
